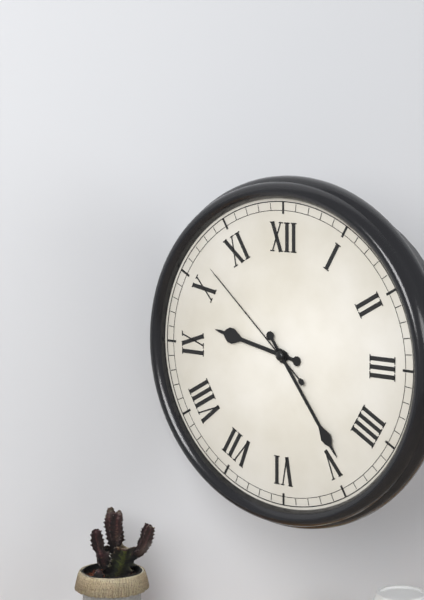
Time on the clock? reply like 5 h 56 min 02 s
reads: 9 h 24 min 52 s
